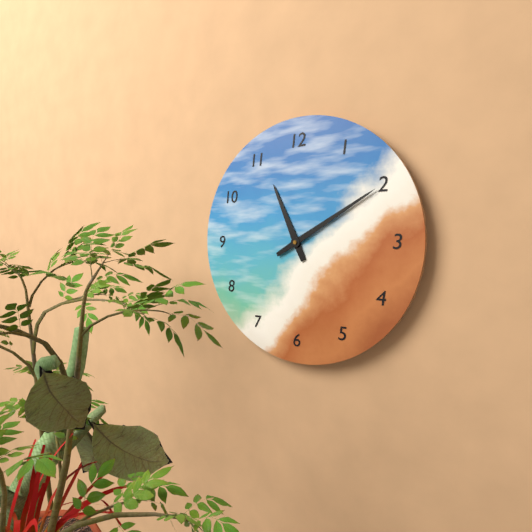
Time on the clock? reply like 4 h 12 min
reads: 11 h 10 min
